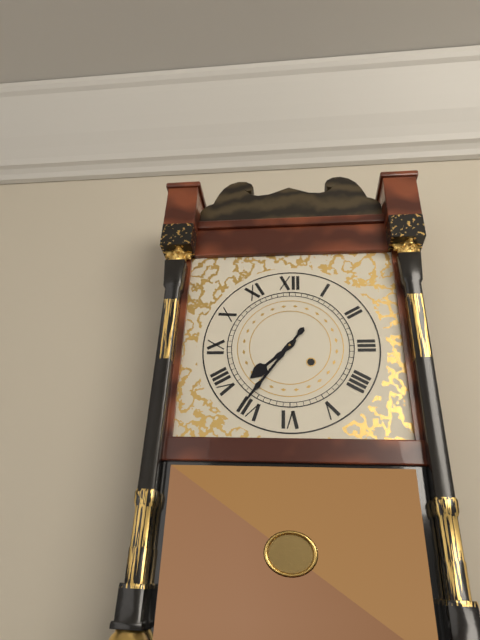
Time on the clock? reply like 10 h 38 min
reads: 7 h 36 min
